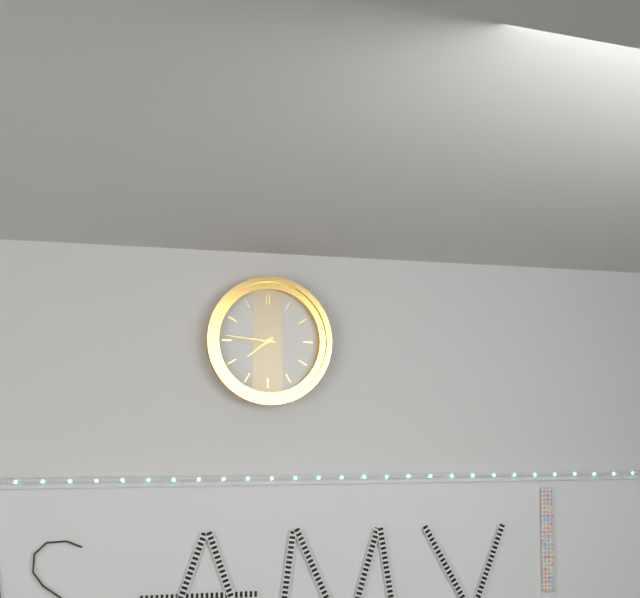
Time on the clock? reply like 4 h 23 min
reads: 7 h 46 min
